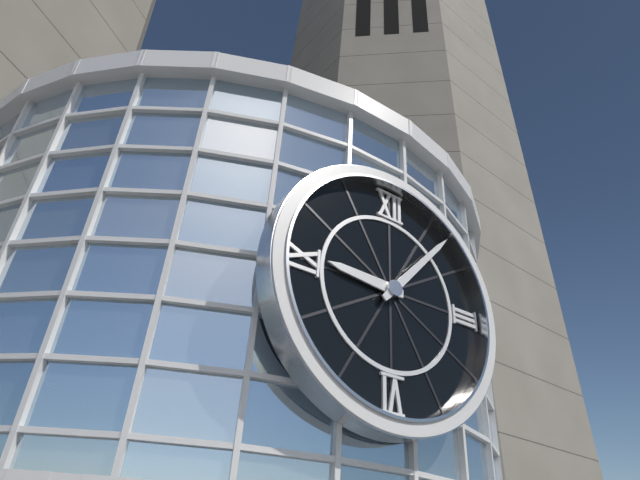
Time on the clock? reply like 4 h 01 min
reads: 9 h 07 min
